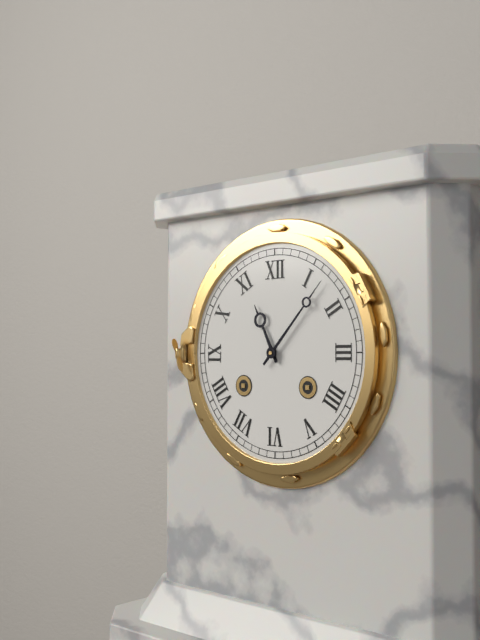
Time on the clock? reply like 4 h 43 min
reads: 11 h 07 min
